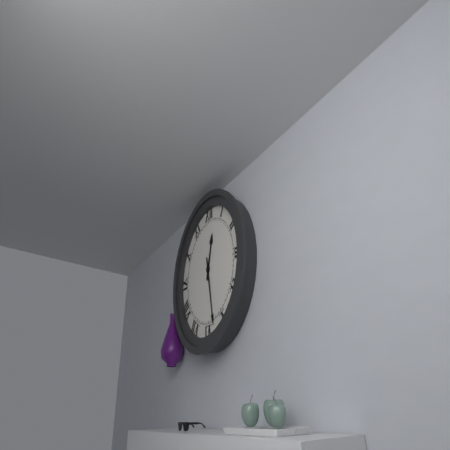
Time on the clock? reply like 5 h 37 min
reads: 12 h 28 min
